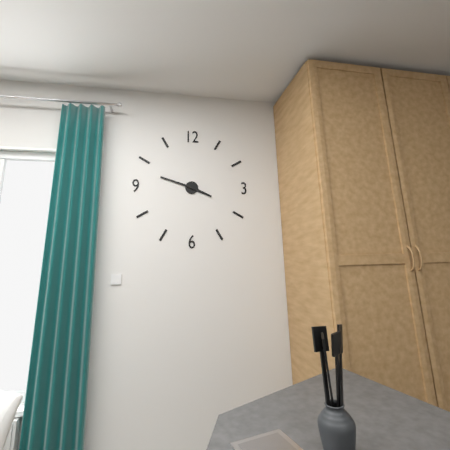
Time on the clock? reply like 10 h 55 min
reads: 3 h 48 min
